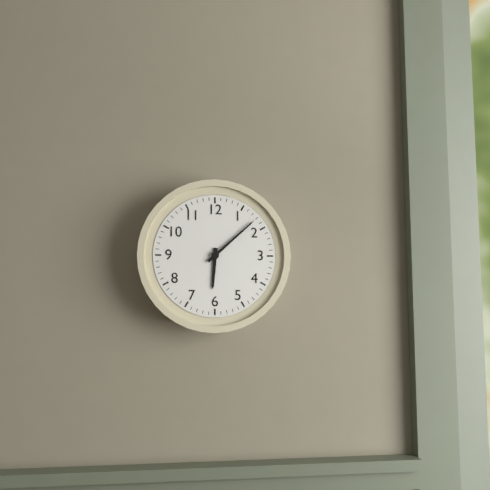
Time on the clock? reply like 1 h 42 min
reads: 6 h 08 min
